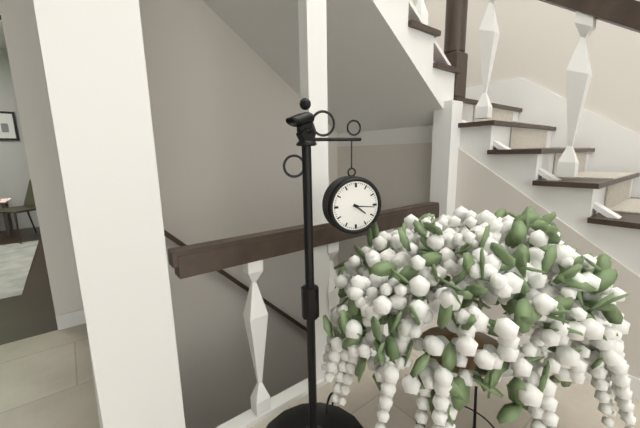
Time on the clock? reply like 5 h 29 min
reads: 4 h 16 min
